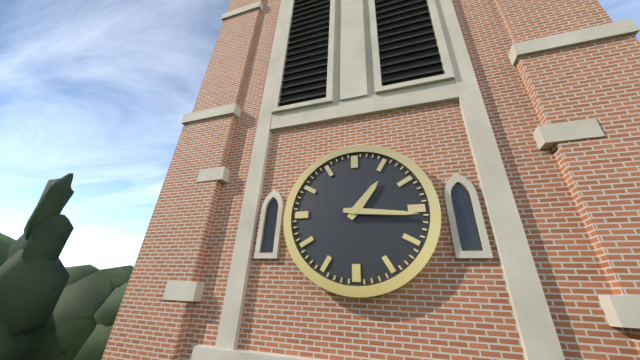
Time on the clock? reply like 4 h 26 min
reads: 1 h 16 min
